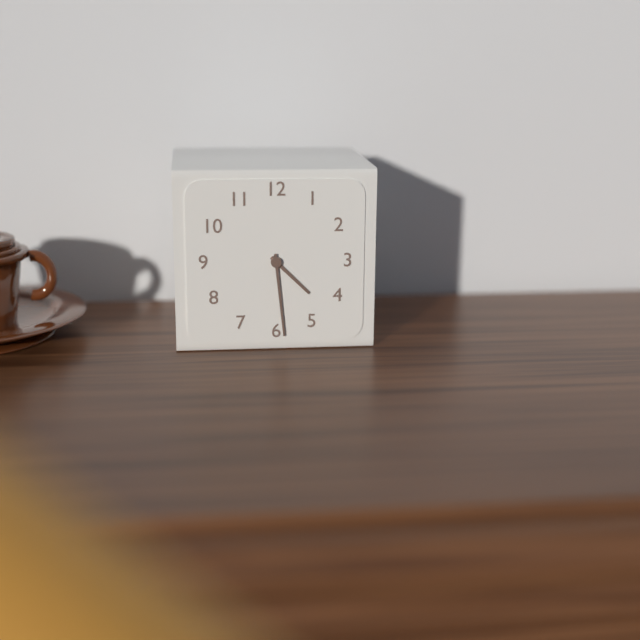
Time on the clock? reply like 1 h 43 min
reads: 4 h 29 min
